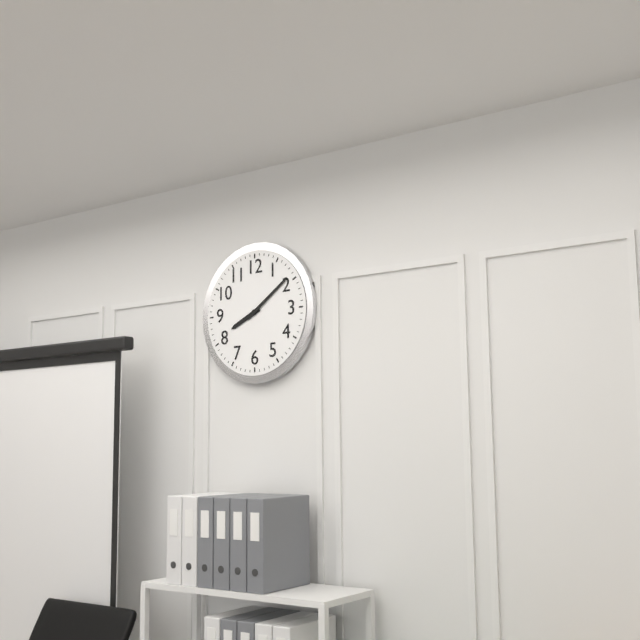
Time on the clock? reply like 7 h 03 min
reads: 8 h 09 min
